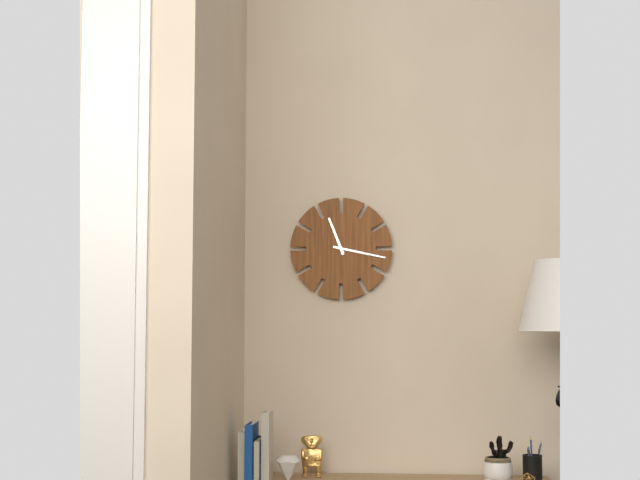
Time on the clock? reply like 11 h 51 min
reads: 11 h 17 min
